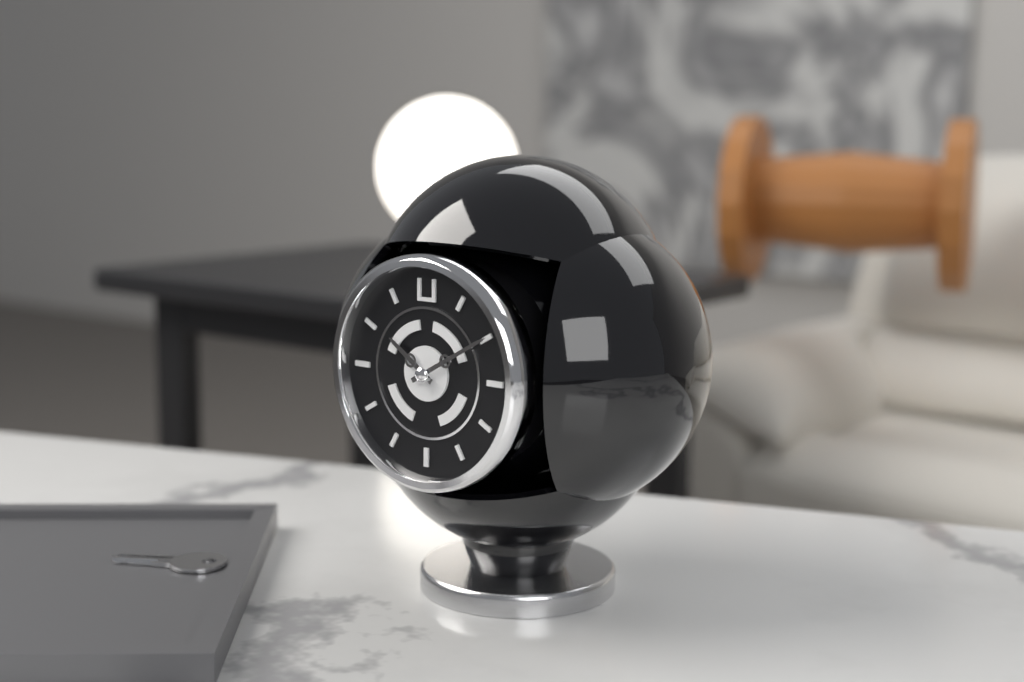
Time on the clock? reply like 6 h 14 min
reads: 10 h 10 min
